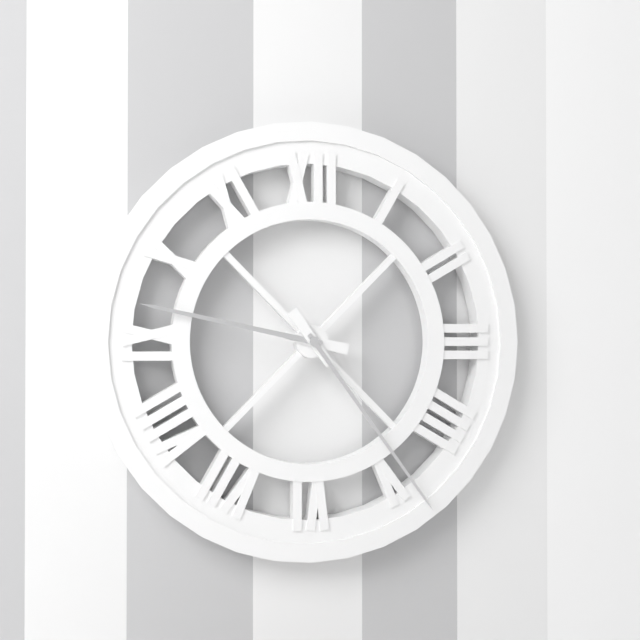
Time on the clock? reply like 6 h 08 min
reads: 9 h 24 min
